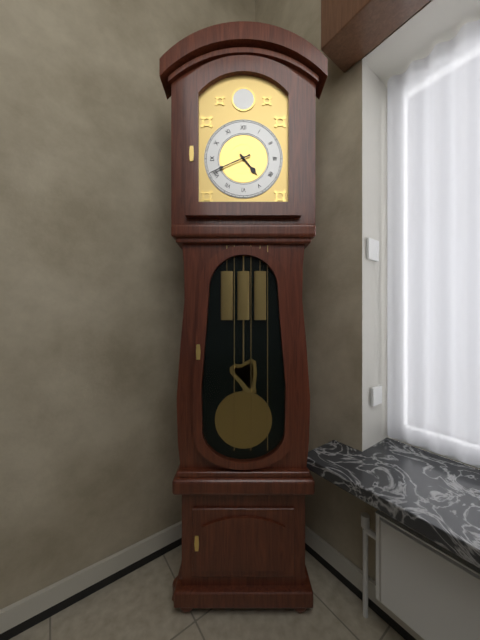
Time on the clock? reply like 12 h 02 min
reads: 4 h 41 min
